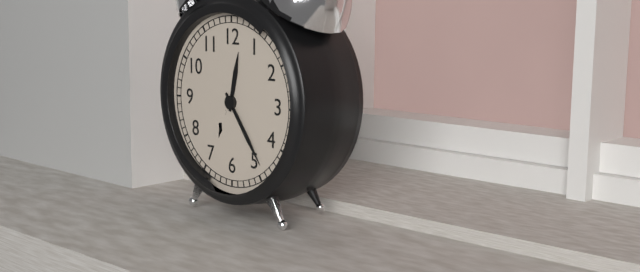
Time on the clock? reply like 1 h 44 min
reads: 12 h 24 min
